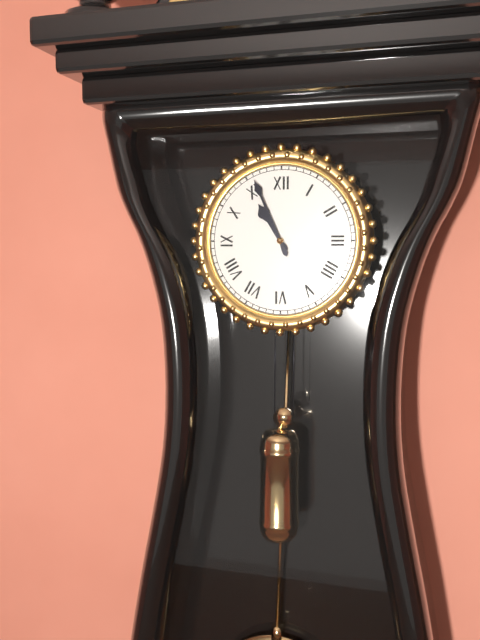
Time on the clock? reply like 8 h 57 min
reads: 10 h 56 min
